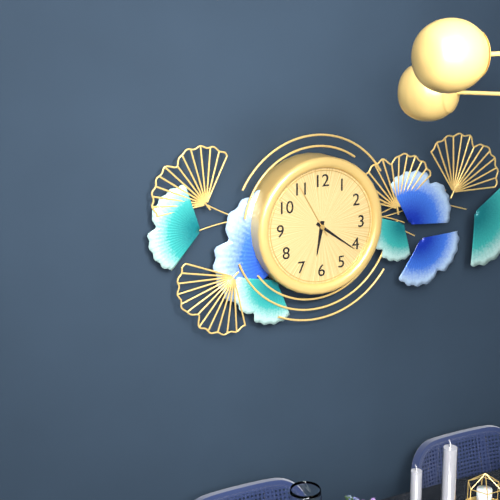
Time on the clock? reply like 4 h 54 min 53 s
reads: 6 h 21 min 55 s
